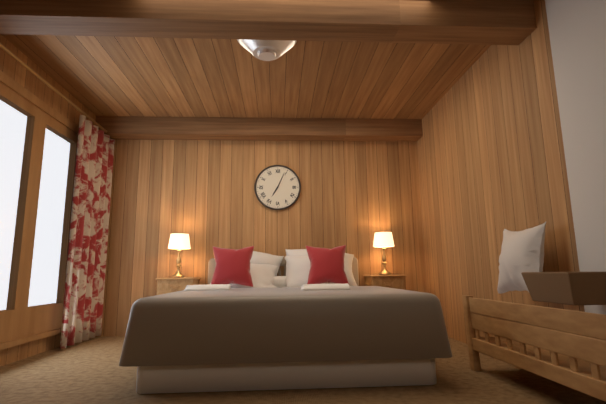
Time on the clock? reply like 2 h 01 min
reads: 7 h 04 min
